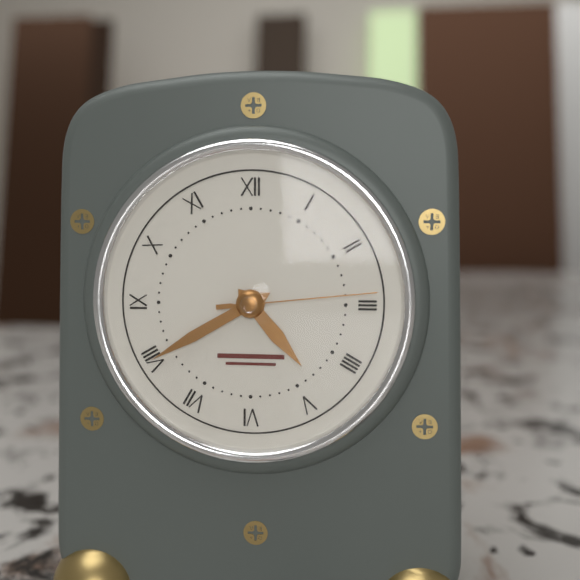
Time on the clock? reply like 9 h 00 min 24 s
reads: 4 h 40 min 14 s
